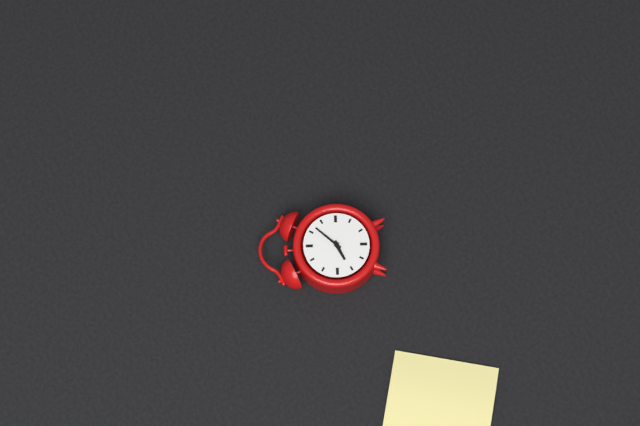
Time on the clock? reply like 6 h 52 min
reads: 8 h 07 min
